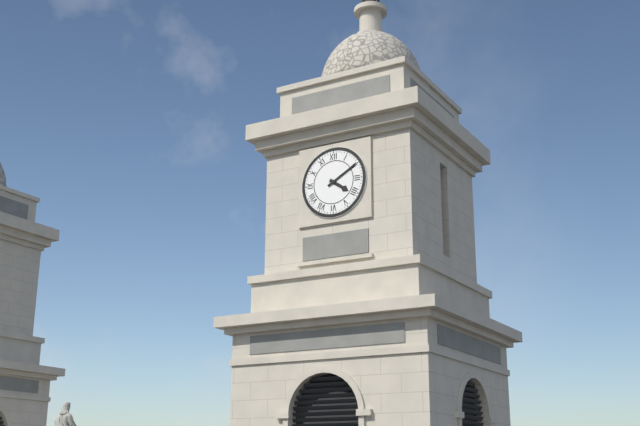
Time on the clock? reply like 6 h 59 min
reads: 4 h 10 min
